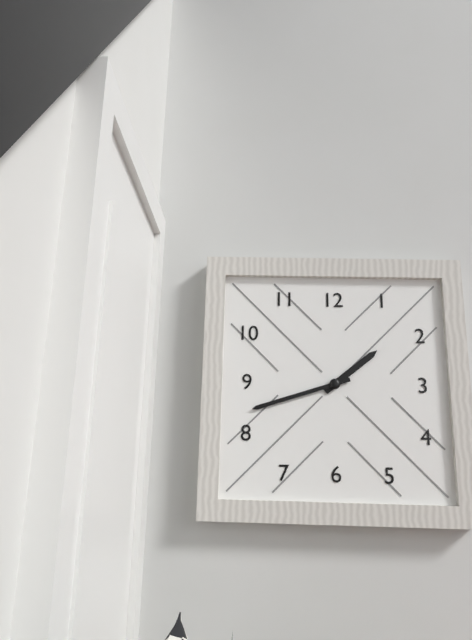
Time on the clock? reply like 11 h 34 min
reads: 1 h 42 min
